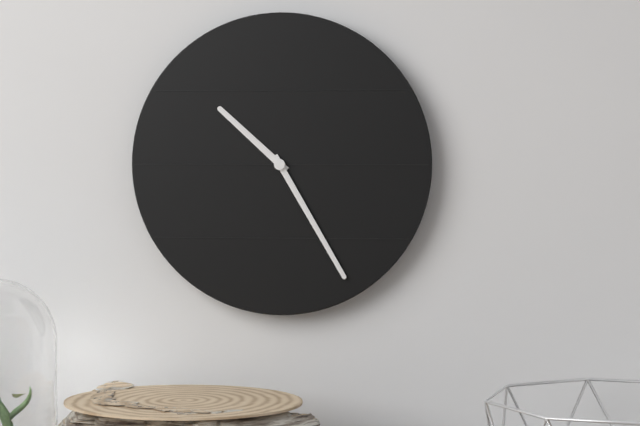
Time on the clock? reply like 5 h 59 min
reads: 10 h 25 min
